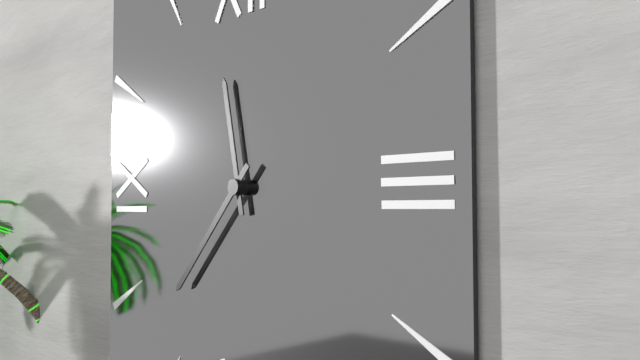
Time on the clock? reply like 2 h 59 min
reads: 11 h 37 min
